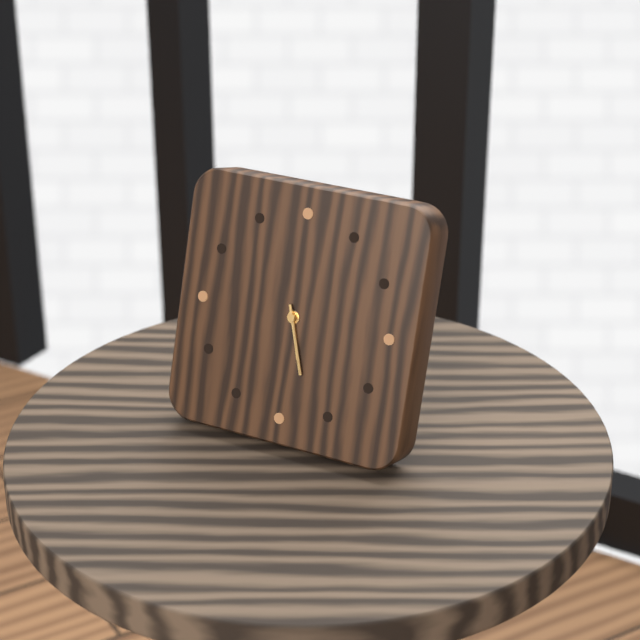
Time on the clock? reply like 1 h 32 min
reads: 5 h 27 min
